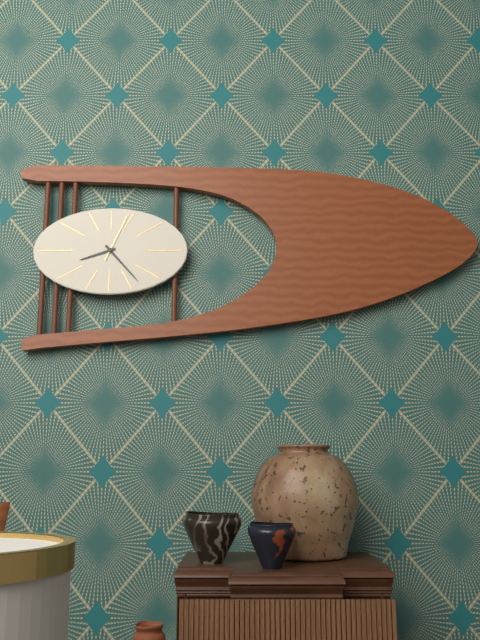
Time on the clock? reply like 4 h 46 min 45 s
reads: 8 h 23 min 04 s
